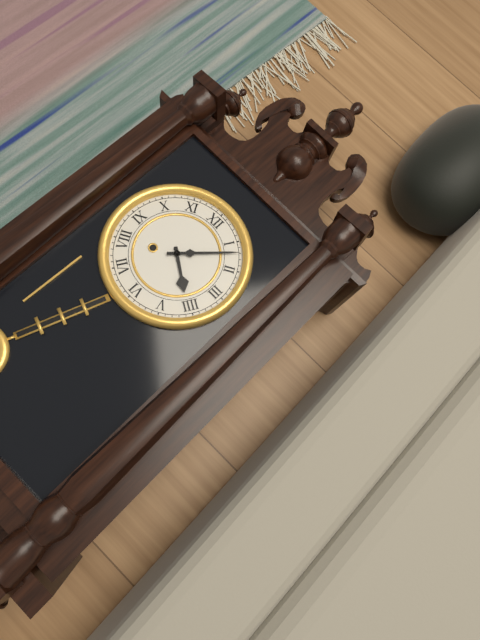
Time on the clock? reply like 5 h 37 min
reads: 4 h 07 min
